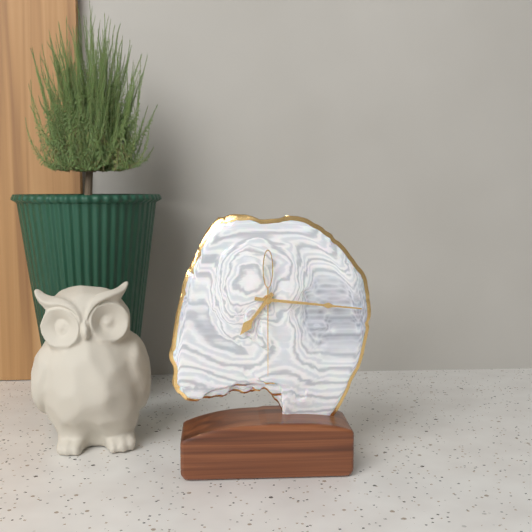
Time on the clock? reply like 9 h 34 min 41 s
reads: 7 h 16 min 30 s
